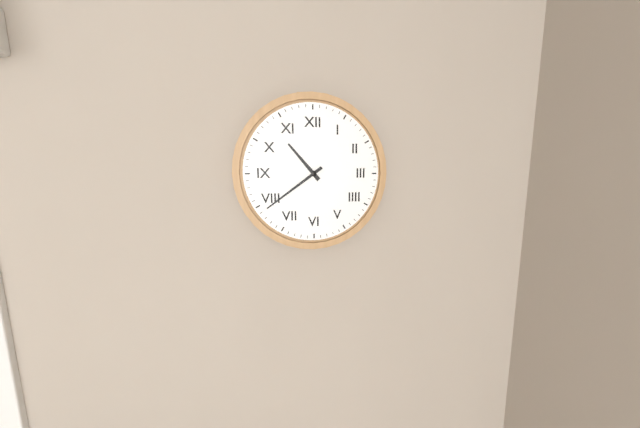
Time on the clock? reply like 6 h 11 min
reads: 10 h 39 min
